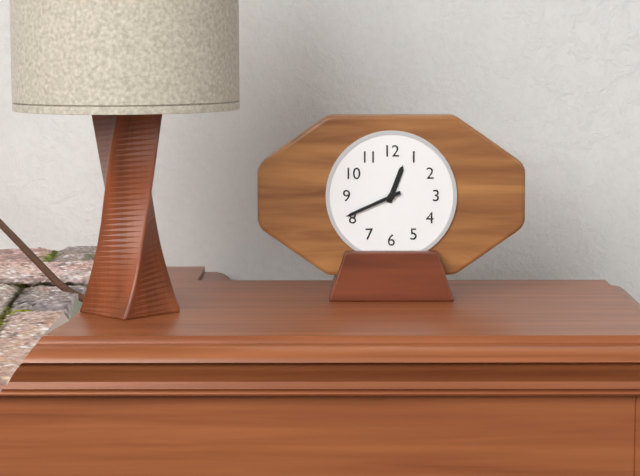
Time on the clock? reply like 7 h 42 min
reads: 12 h 41 min
